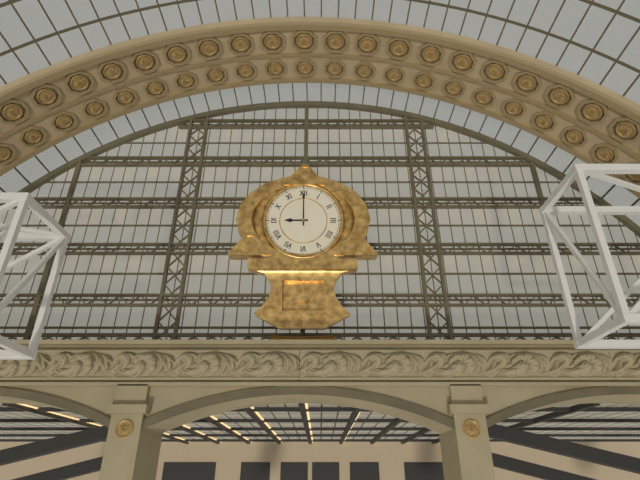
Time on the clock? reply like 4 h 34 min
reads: 9 h 00 min
